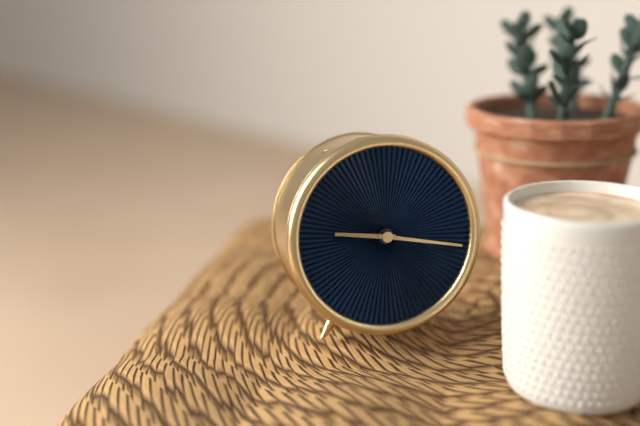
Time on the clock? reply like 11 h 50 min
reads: 9 h 17 min
